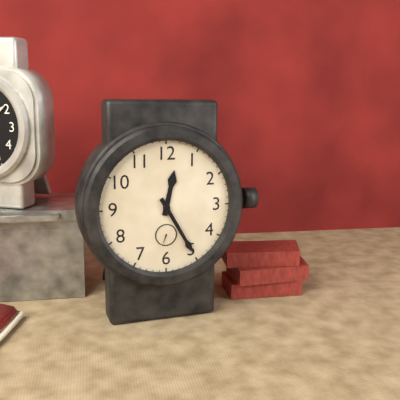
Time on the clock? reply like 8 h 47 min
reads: 12 h 25 min
